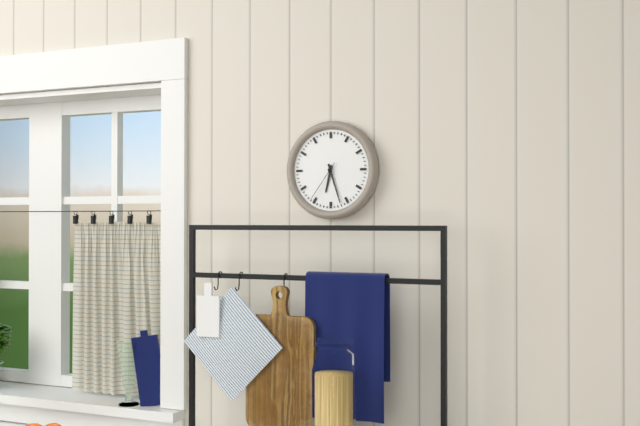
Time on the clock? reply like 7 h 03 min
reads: 6 h 27 min
